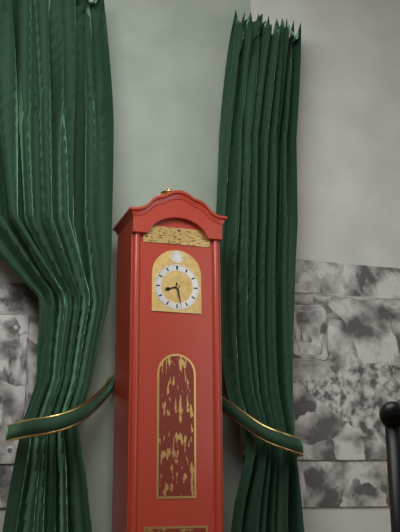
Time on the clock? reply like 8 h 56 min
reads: 8 h 28 min
